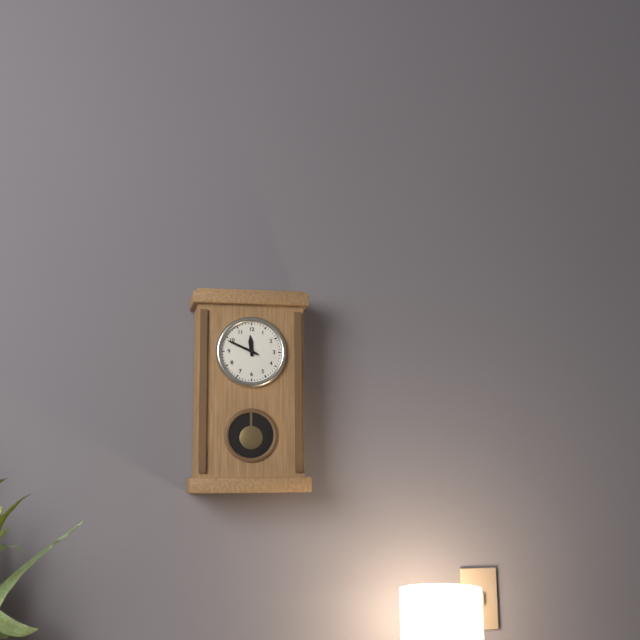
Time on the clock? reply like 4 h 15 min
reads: 11 h 49 min
